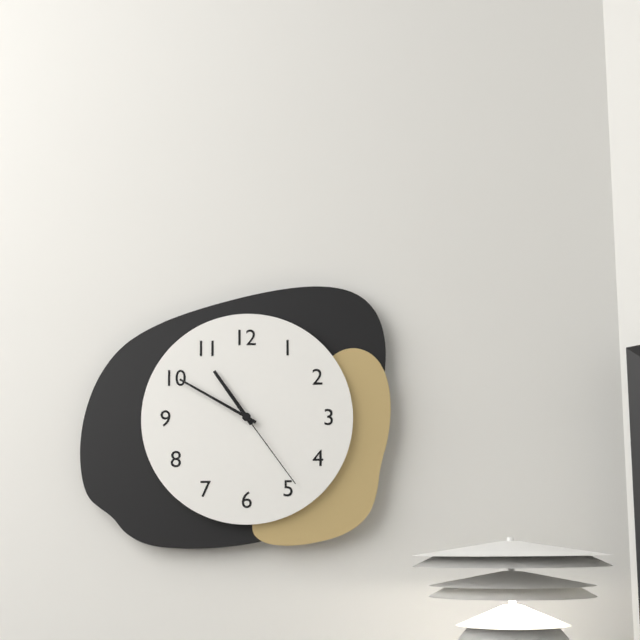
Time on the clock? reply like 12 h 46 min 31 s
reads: 10 h 50 min 24 s
